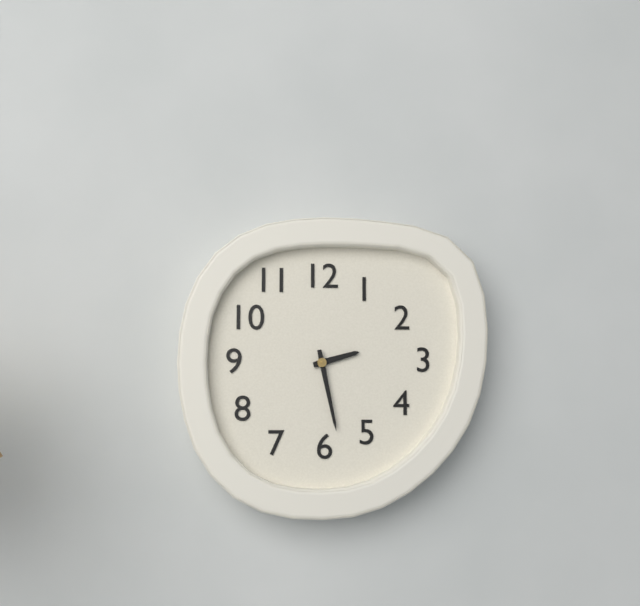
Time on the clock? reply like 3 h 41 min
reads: 2 h 28 min
